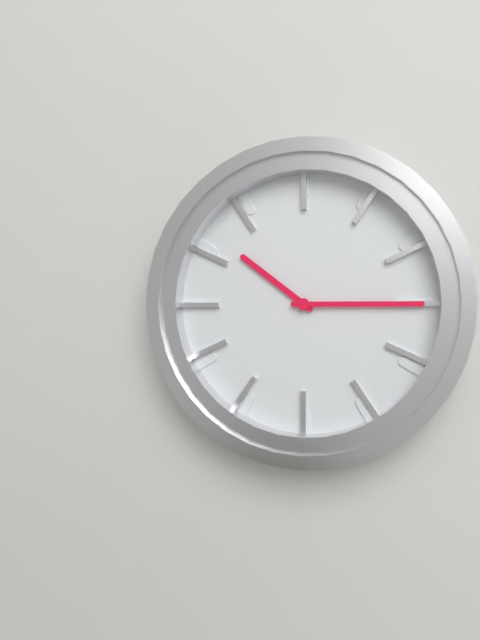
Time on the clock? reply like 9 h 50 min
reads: 10 h 15 min
